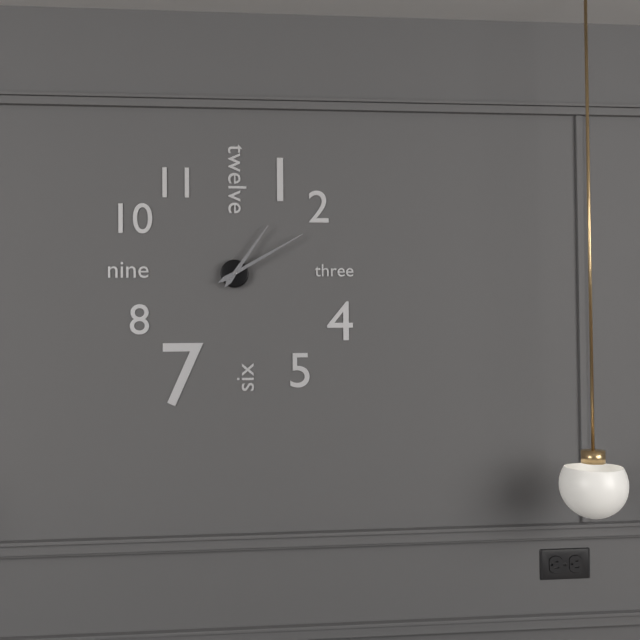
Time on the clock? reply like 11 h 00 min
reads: 1 h 10 min
